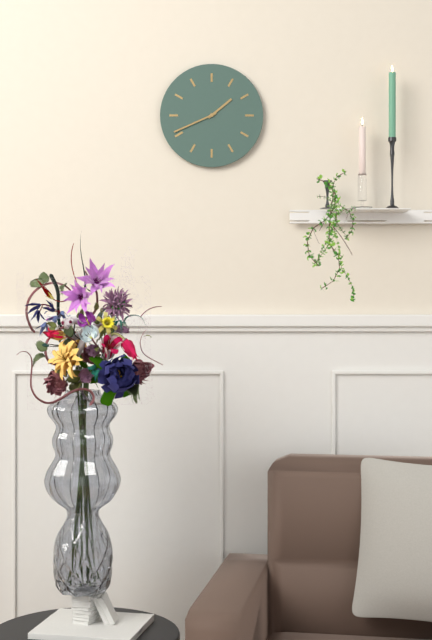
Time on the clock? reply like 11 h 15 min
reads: 1 h 41 min
